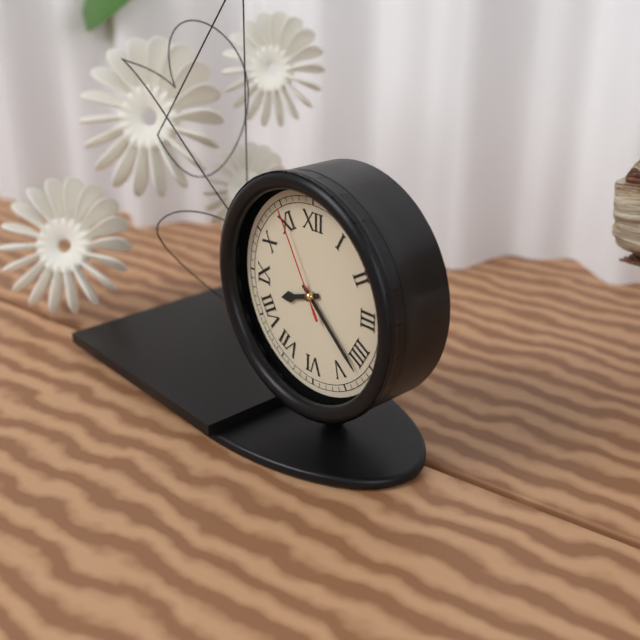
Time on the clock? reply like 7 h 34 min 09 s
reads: 8 h 22 min 55 s
